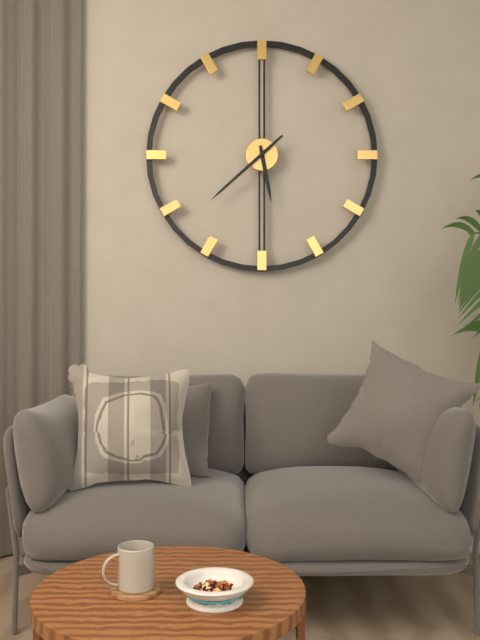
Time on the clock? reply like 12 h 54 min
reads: 5 h 38 min
